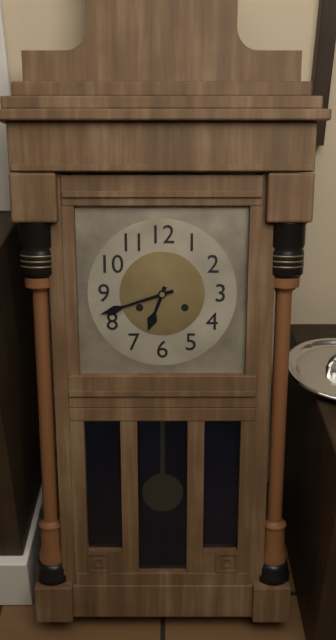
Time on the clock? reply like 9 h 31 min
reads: 6 h 42 min
